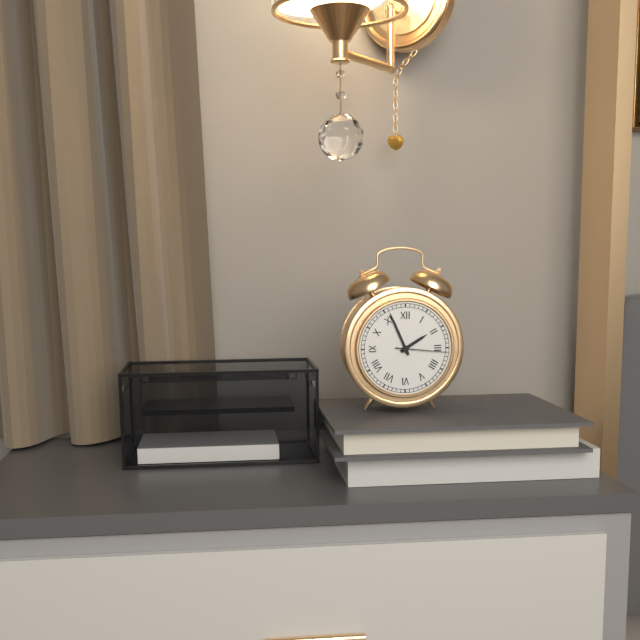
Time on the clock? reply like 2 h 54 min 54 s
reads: 1 h 56 min 16 s
